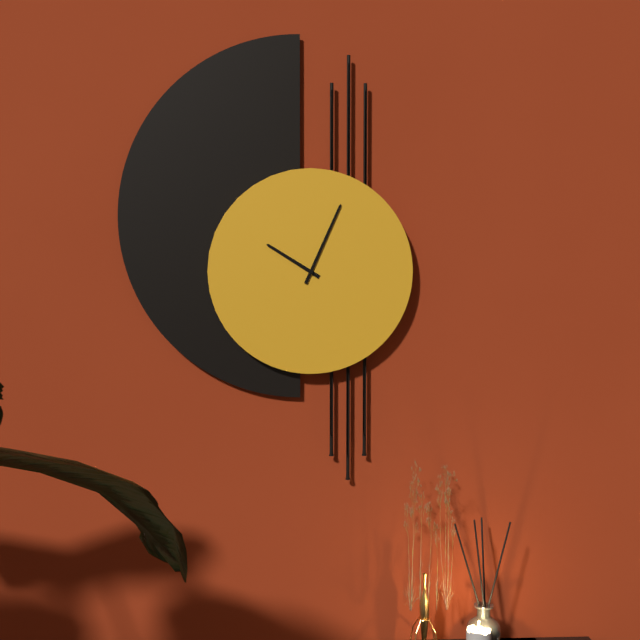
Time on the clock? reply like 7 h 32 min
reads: 10 h 04 min
